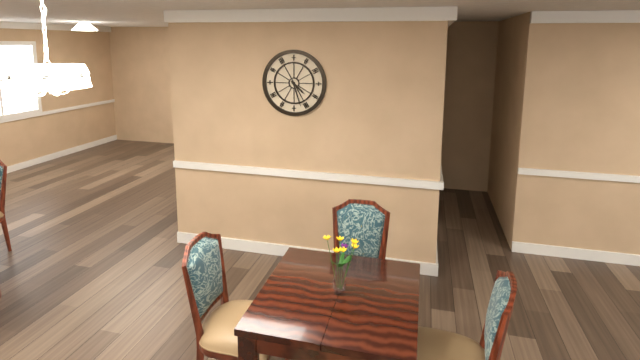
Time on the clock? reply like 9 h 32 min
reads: 4 h 27 min
